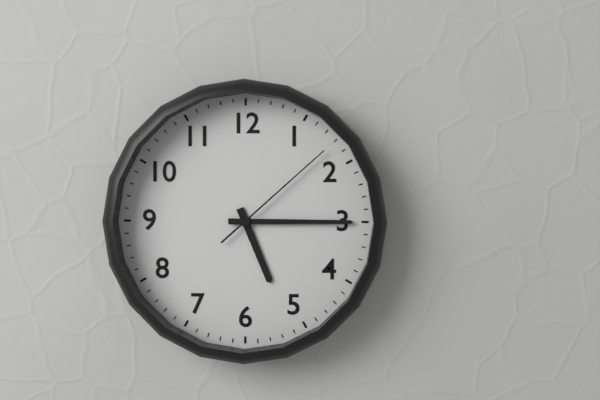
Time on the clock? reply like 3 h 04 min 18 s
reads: 5 h 15 min 08 s
